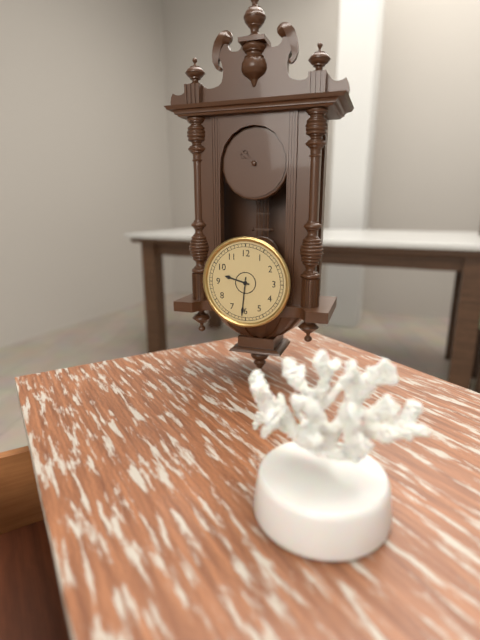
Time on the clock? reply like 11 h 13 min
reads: 9 h 31 min
